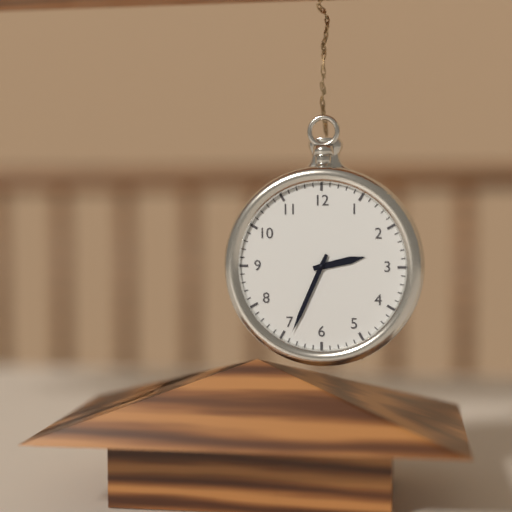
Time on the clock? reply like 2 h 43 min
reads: 2 h 34 min
